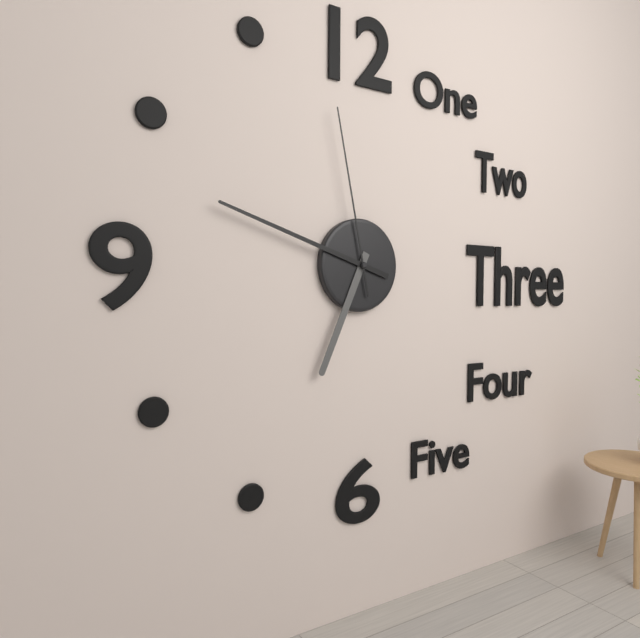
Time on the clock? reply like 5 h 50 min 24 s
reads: 6 h 48 min 58 s
